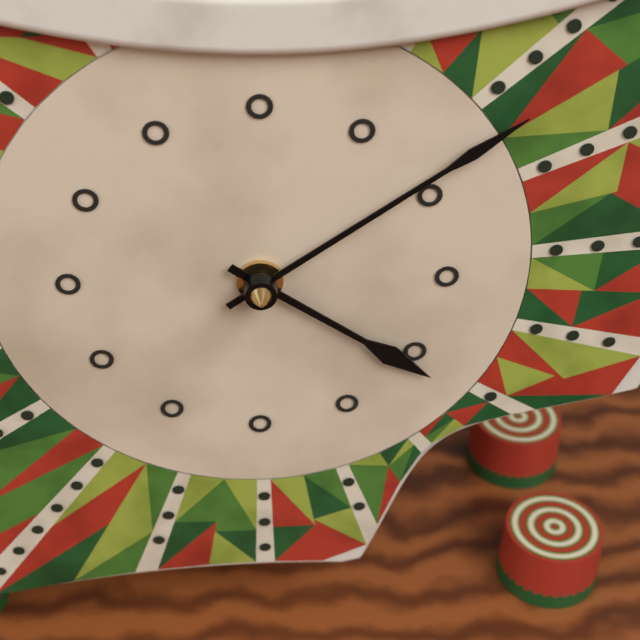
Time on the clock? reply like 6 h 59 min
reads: 4 h 09 min
